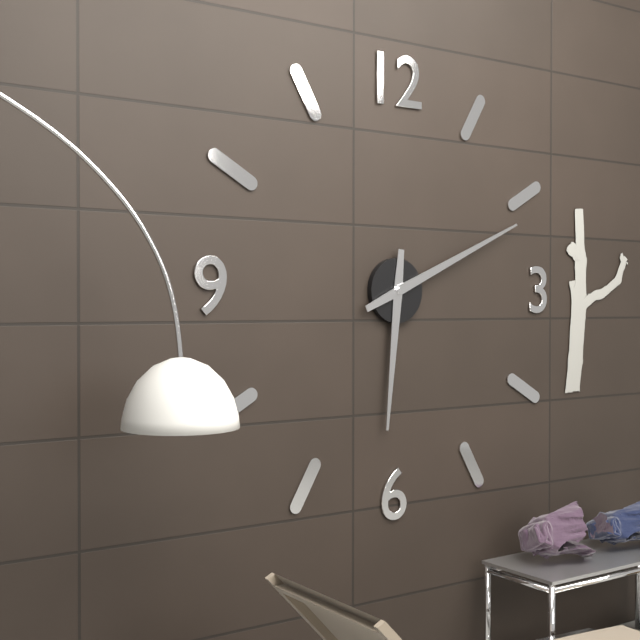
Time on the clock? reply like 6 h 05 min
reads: 6 h 11 min
